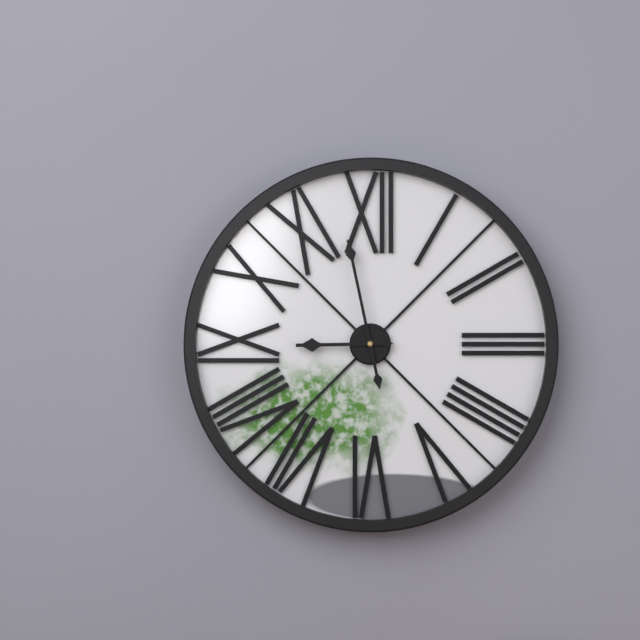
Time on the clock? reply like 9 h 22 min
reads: 8 h 58 min
